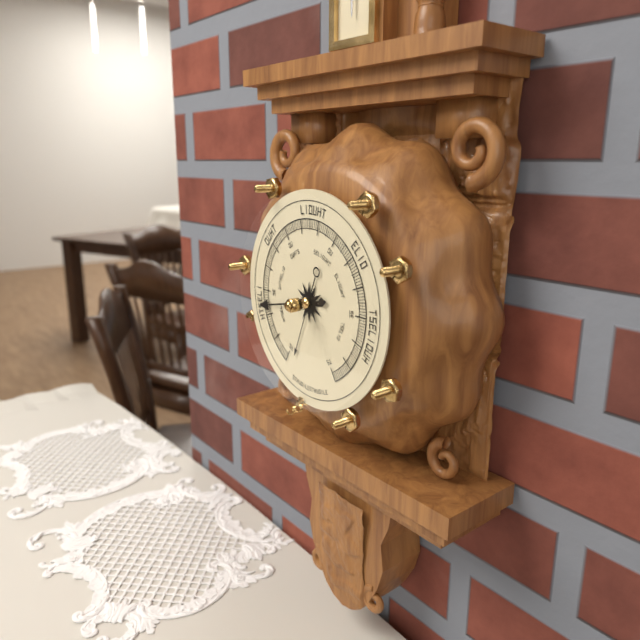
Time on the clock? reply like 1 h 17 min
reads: 6 h 43 min
